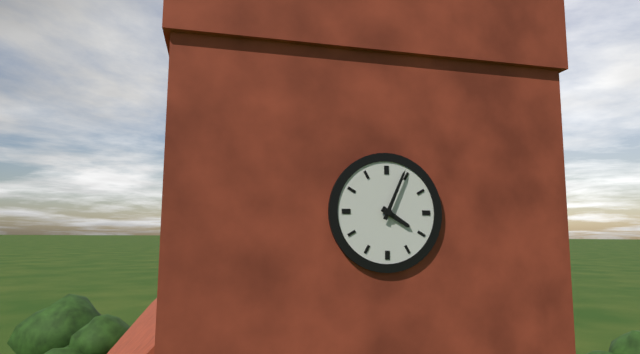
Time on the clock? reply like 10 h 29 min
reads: 4 h 04 min
